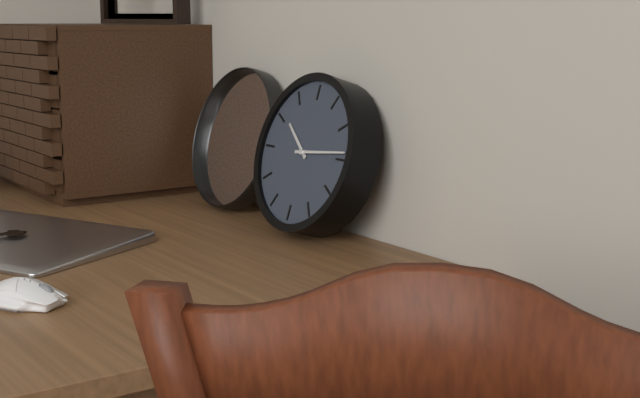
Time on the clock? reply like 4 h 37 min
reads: 10 h 14 min
